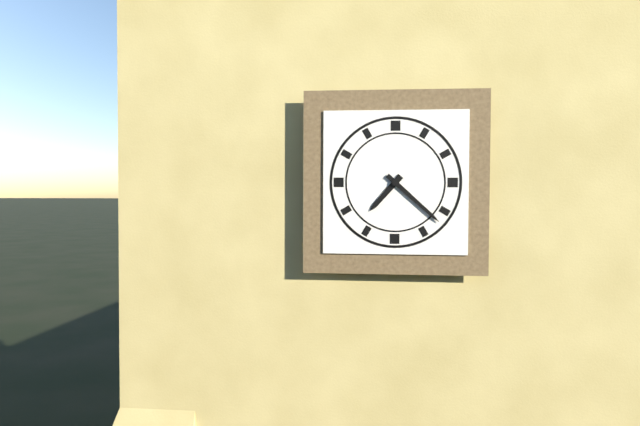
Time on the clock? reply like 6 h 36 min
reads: 7 h 22 min
